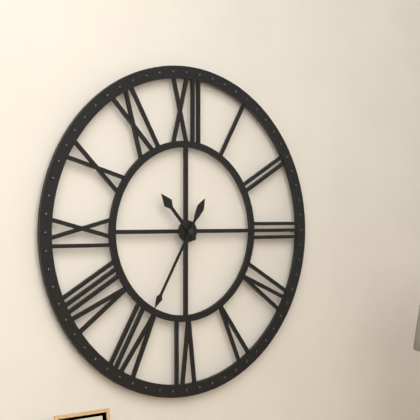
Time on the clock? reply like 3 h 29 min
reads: 10 h 35 min
